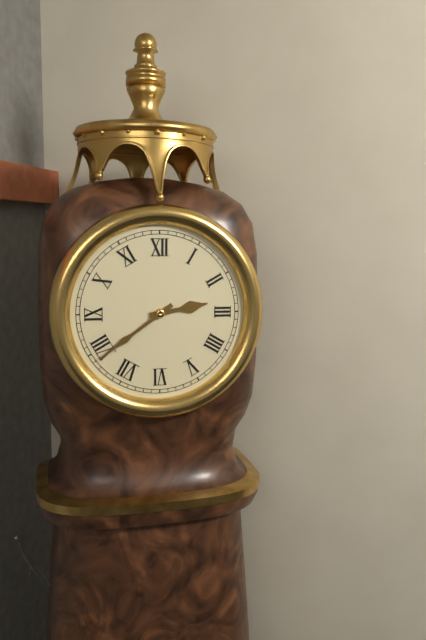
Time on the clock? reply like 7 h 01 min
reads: 2 h 39 min
